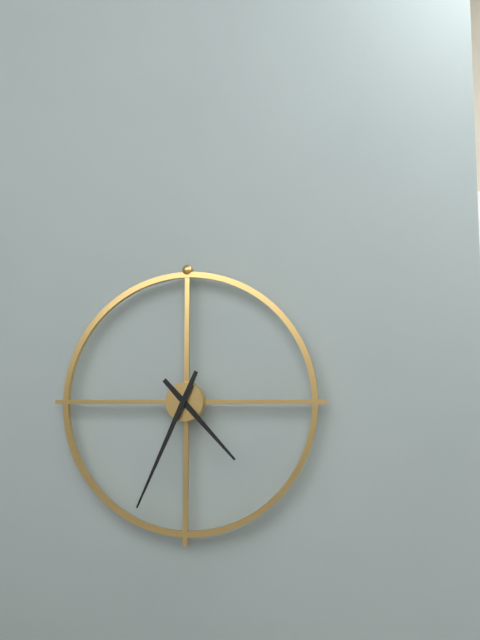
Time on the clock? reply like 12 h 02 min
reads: 4 h 34 min
